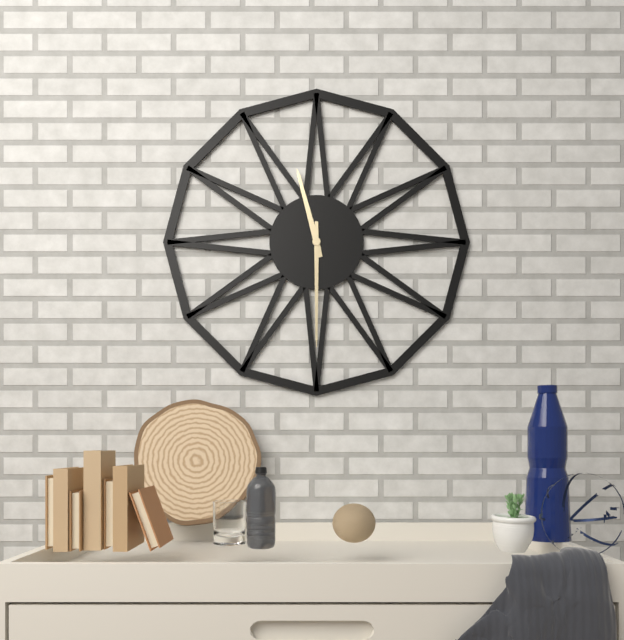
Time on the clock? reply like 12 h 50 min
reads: 11 h 30 min
